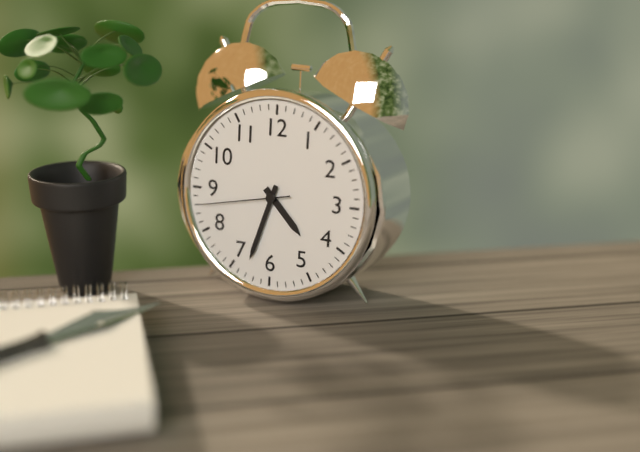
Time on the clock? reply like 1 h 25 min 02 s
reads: 4 h 33 min 43 s
